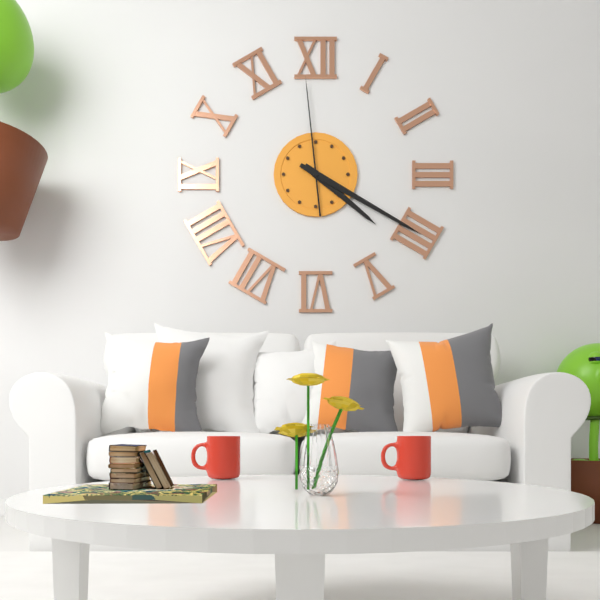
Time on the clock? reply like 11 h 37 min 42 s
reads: 4 h 20 min 59 s
